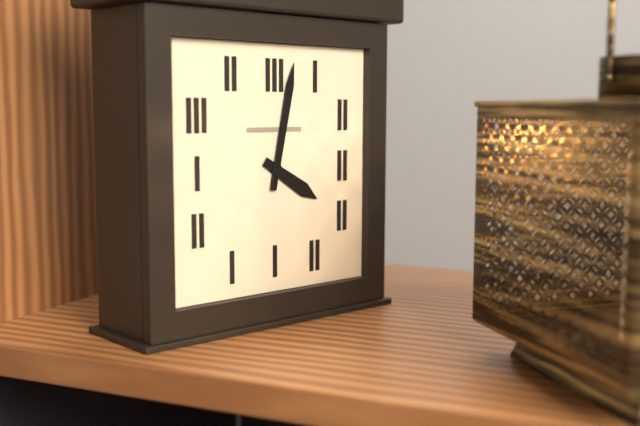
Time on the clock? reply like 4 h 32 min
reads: 4 h 02 min
